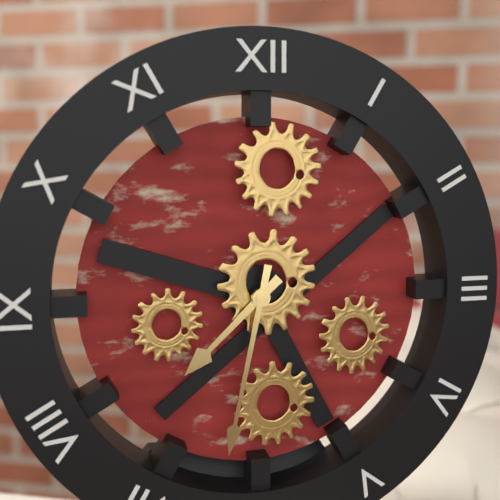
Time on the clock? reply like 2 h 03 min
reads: 7 h 32 min
